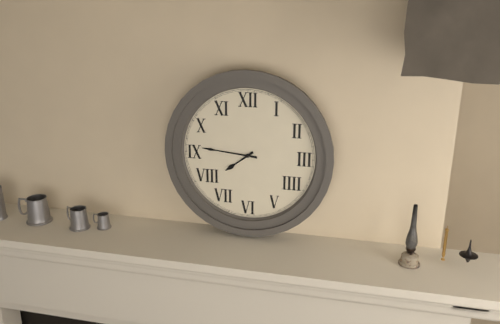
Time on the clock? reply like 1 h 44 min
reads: 7 h 46 min
